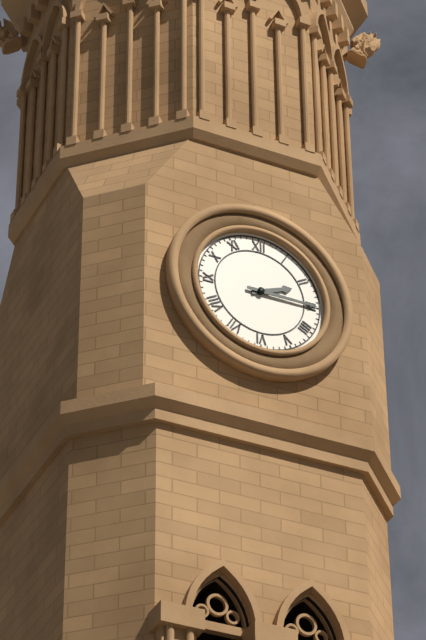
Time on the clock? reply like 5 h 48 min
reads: 2 h 15 min
